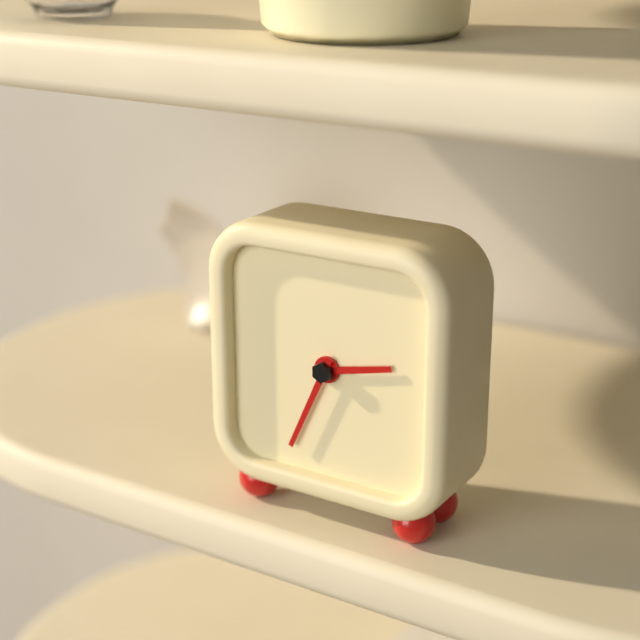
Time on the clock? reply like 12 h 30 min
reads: 2 h 34 min
